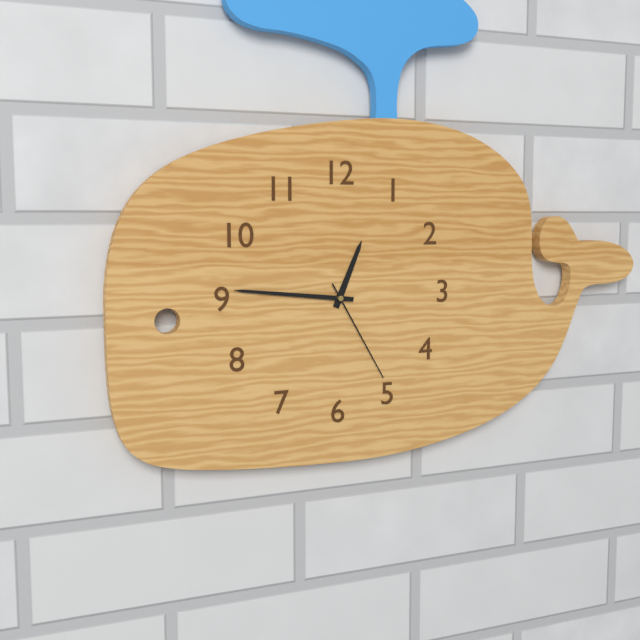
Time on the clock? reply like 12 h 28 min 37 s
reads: 12 h 46 min 25 s
